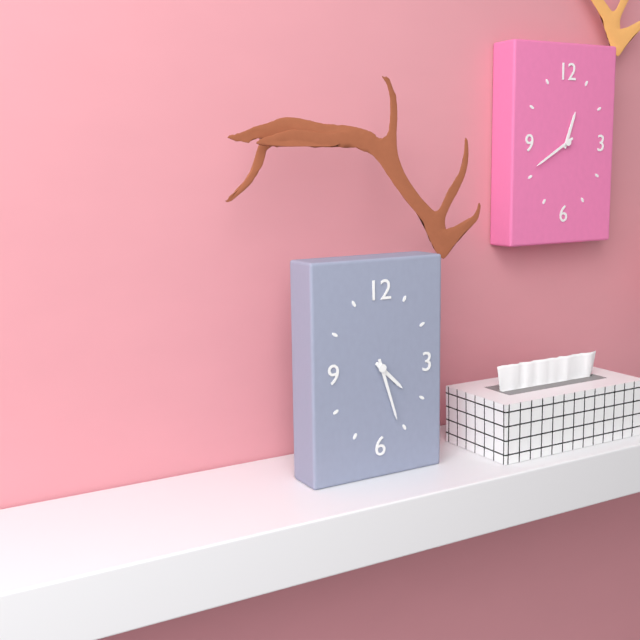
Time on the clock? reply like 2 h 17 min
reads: 4 h 27 min
